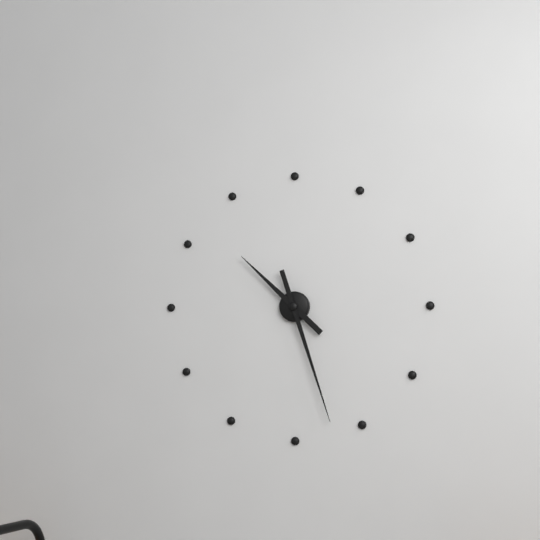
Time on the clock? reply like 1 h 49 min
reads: 10 h 27 min
